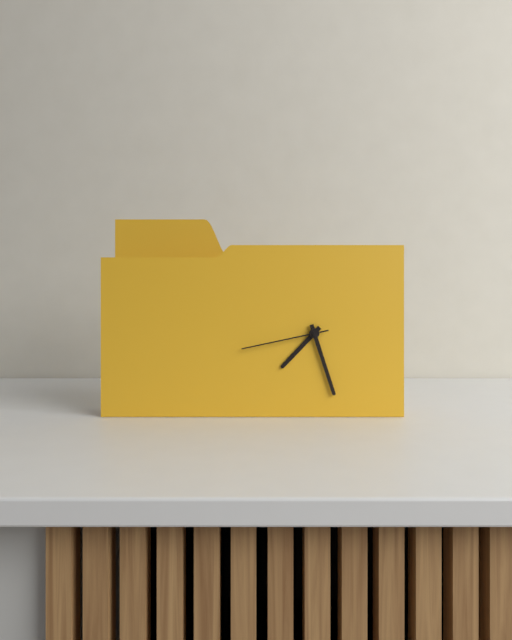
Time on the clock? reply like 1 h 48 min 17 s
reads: 7 h 27 min 43 s
